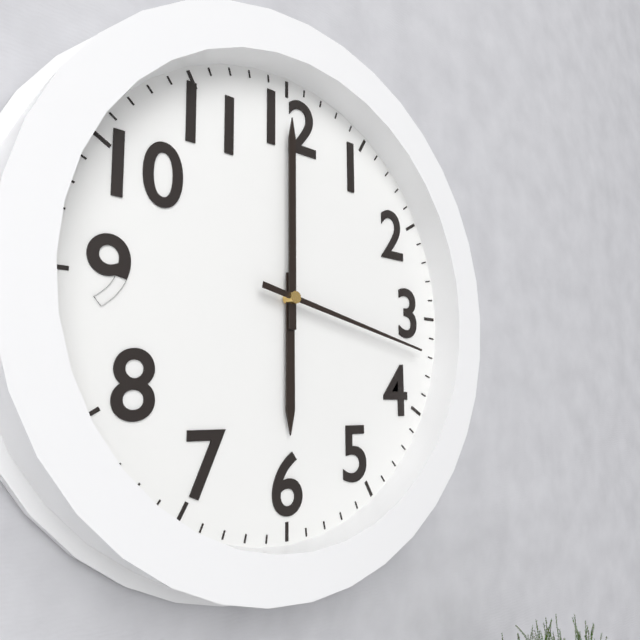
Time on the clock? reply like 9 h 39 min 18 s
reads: 6 h 00 min 17 s
